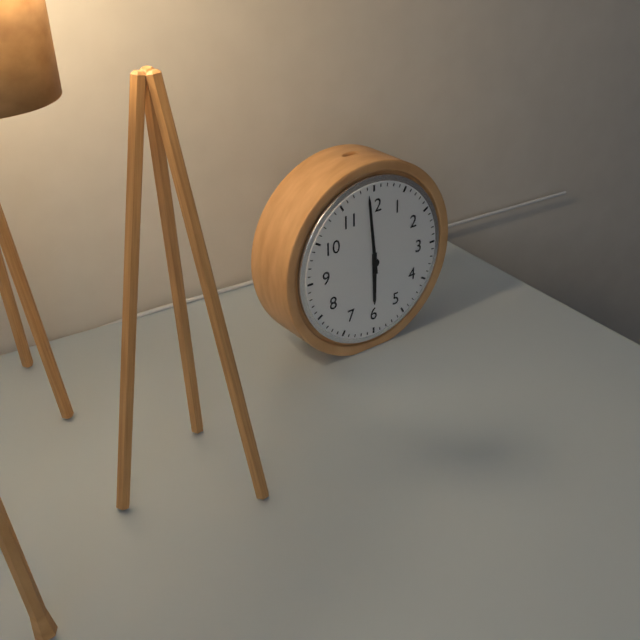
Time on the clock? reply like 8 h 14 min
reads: 5 h 59 min
